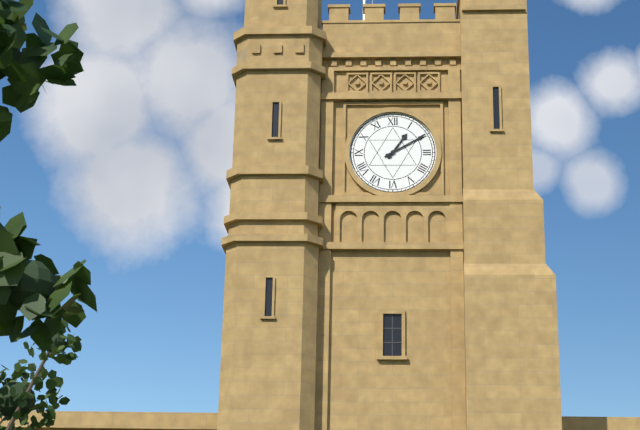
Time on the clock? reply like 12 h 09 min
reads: 1 h 10 min
